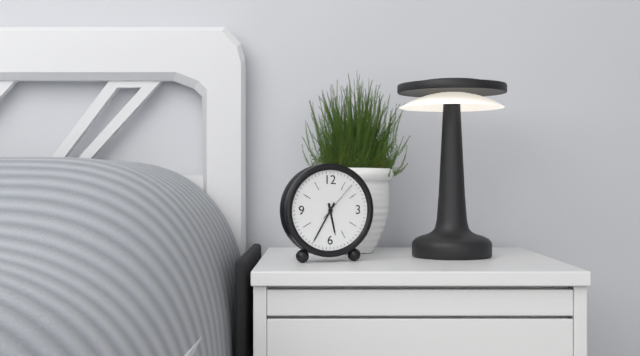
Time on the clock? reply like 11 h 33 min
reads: 5 h 35 min
